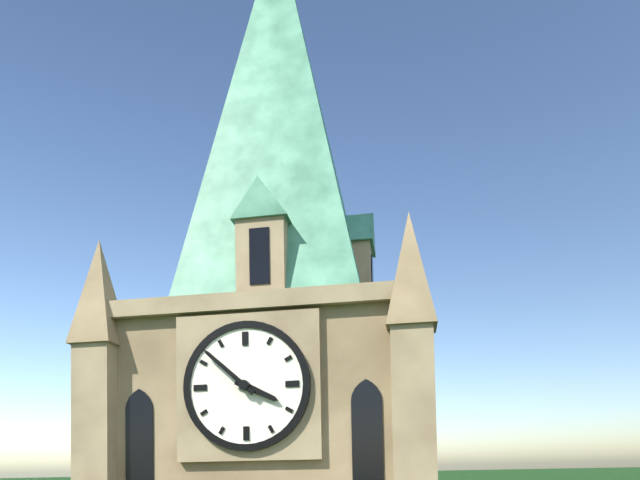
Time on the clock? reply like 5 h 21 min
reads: 3 h 52 min
